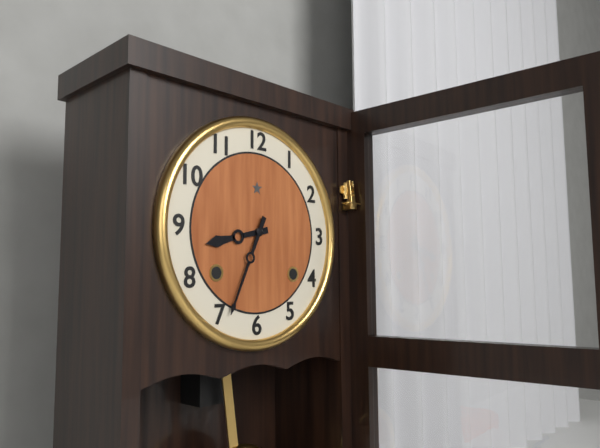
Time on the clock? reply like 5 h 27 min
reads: 8 h 34 min
